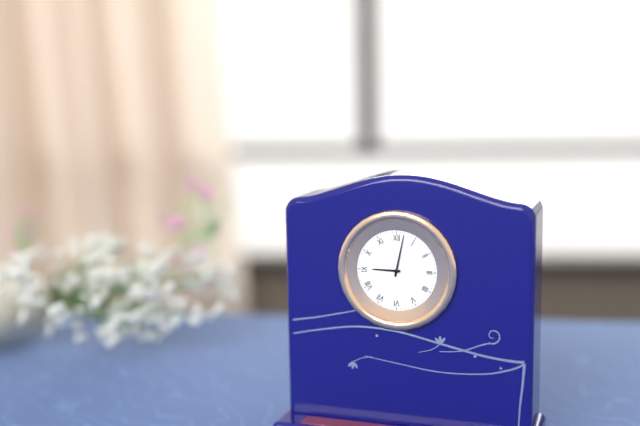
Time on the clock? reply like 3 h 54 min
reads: 9 h 02 min
